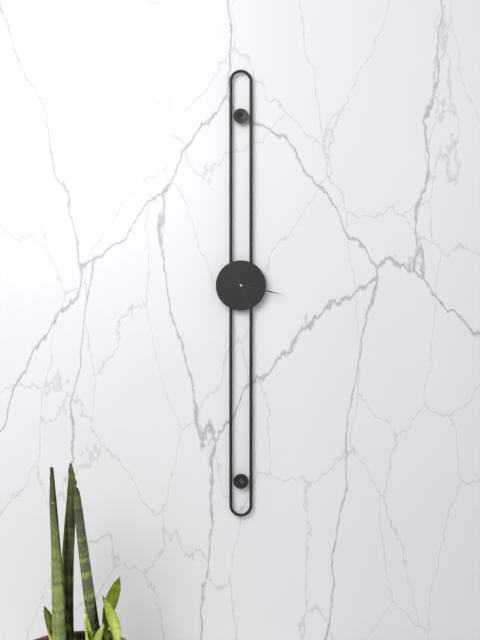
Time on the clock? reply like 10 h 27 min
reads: 5 h 17 min
